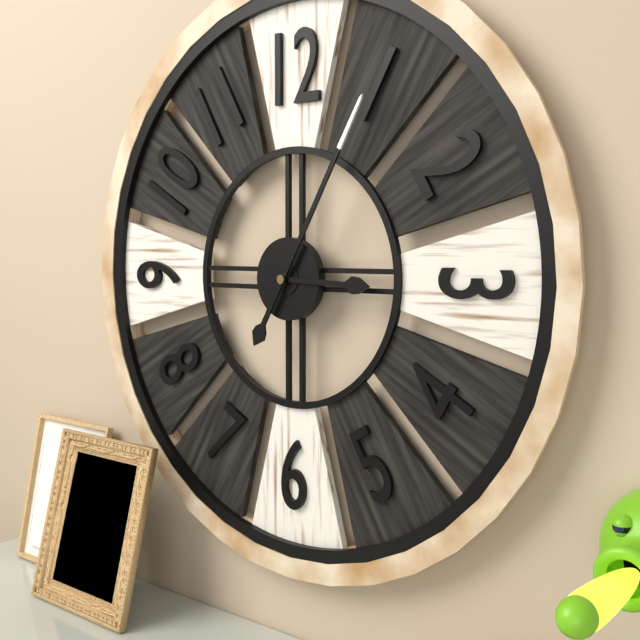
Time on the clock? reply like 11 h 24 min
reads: 3 h 05 min
